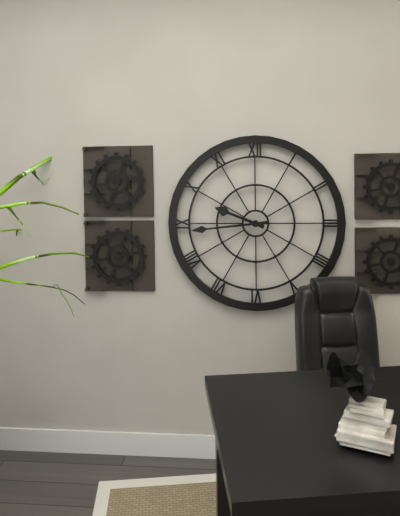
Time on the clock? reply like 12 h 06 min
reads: 9 h 44 min
